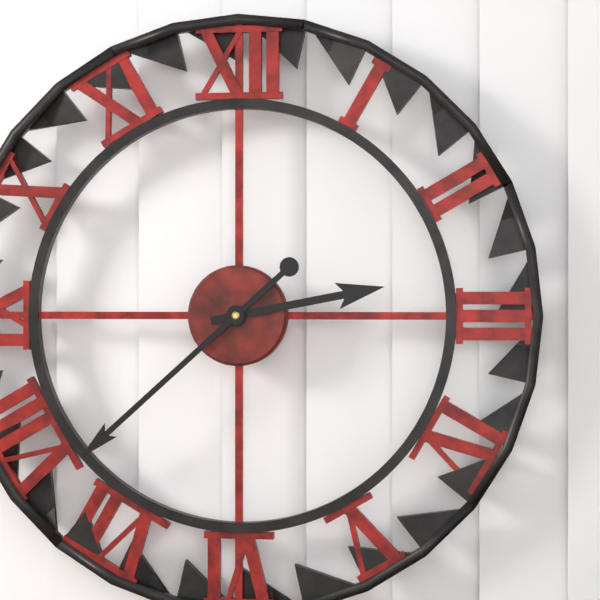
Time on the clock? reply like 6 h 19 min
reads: 2 h 38 min
